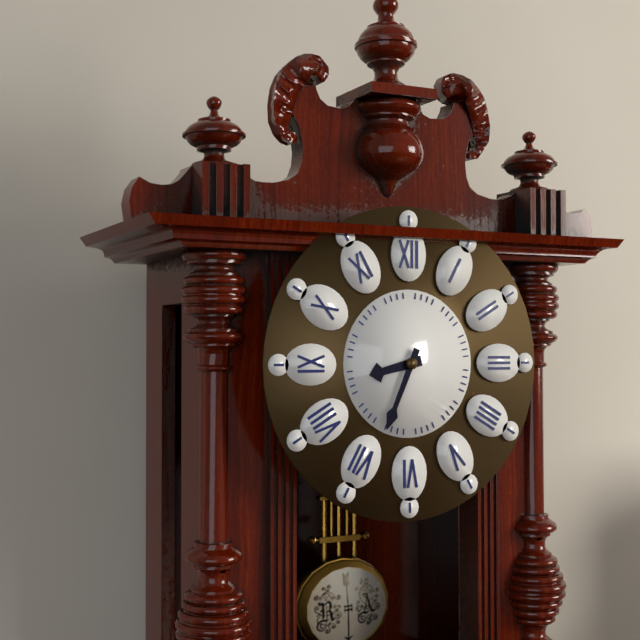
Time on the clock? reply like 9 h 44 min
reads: 8 h 34 min
